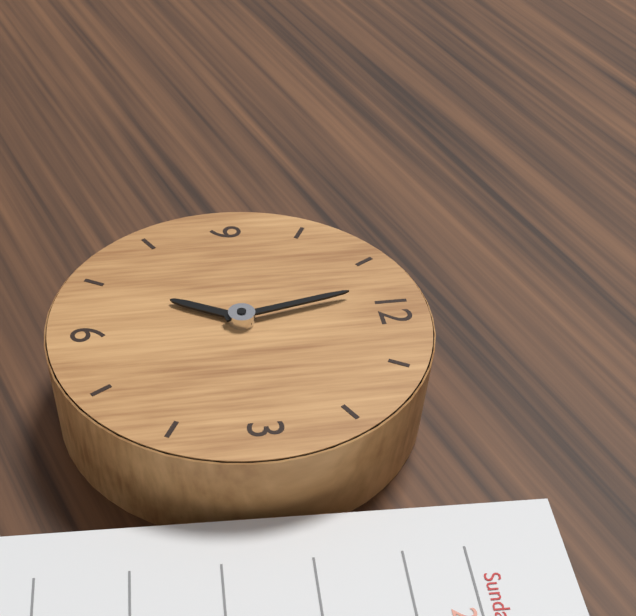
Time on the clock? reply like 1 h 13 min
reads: 6 h 58 min
